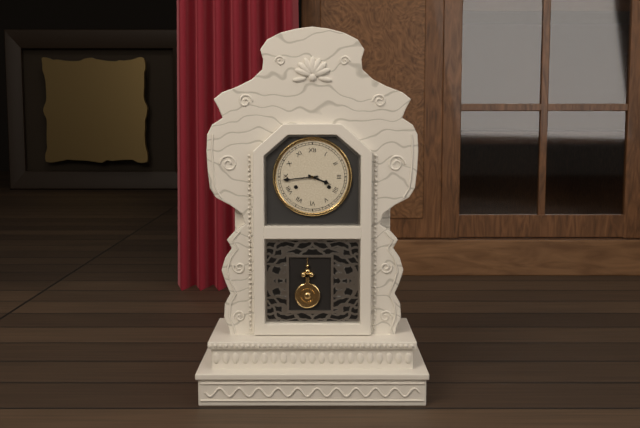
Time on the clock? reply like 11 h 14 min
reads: 3 h 44 min
